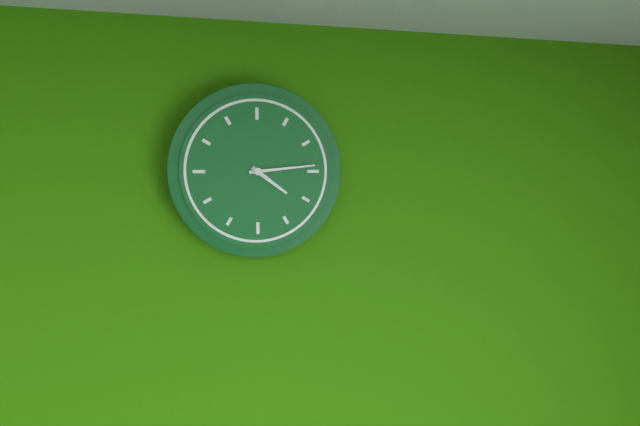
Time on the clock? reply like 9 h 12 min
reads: 4 h 14 min
